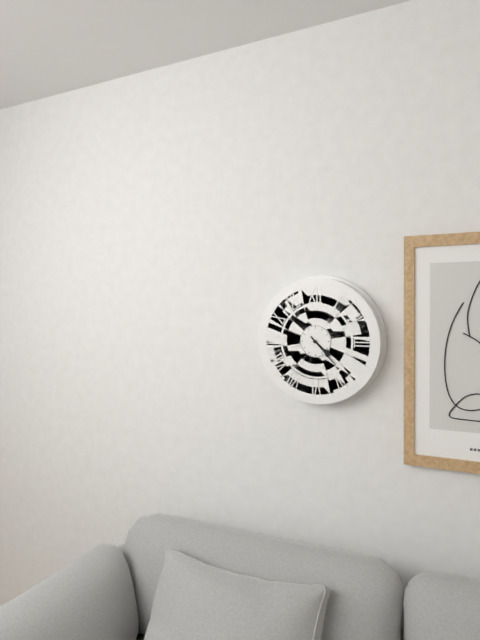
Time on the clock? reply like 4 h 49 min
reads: 4 h 23 min
